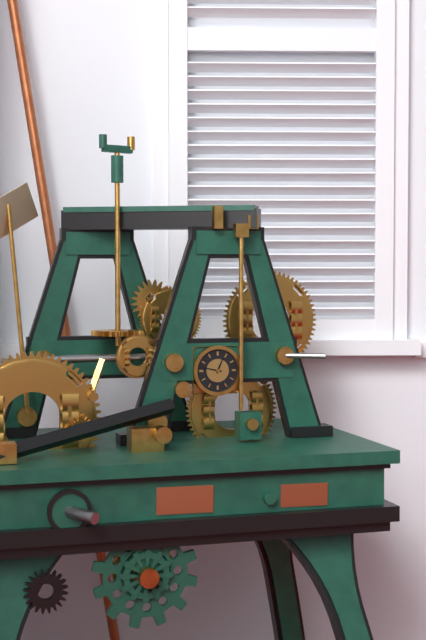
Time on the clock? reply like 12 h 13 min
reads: 12 h 47 min
